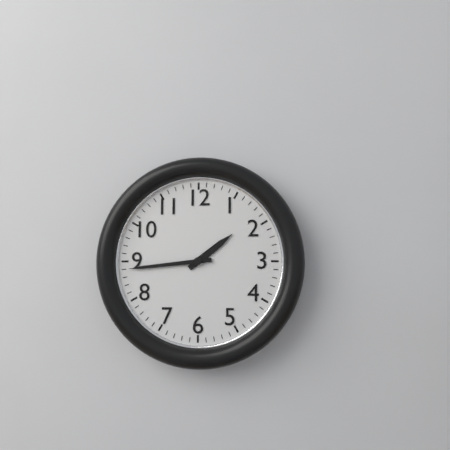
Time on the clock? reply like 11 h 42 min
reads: 1 h 44 min
